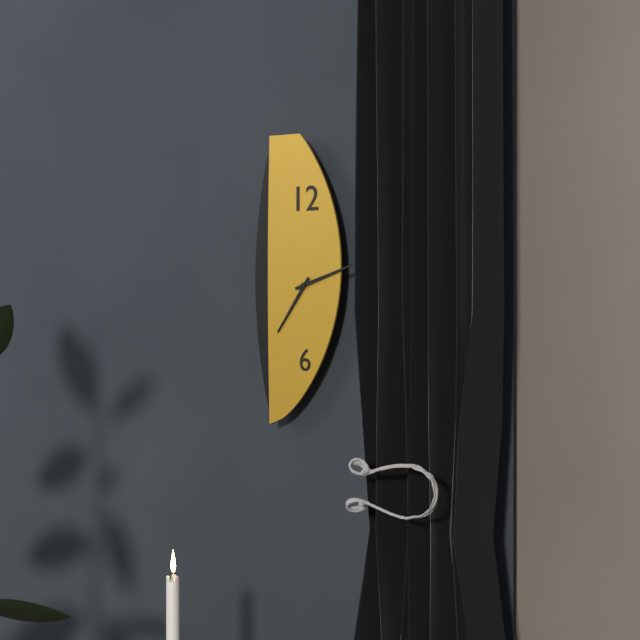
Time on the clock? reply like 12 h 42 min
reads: 7 h 12 min
